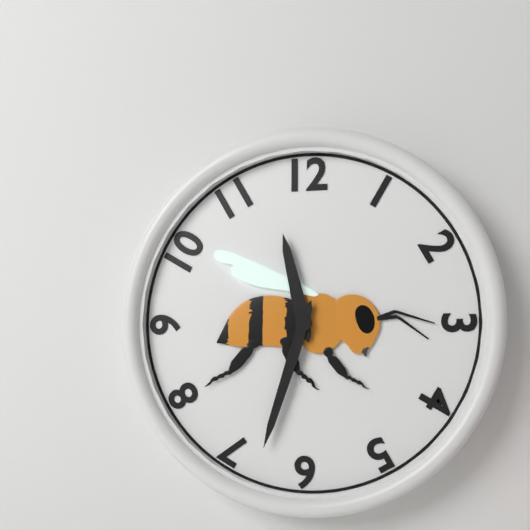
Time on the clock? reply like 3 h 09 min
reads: 11 h 33 min
